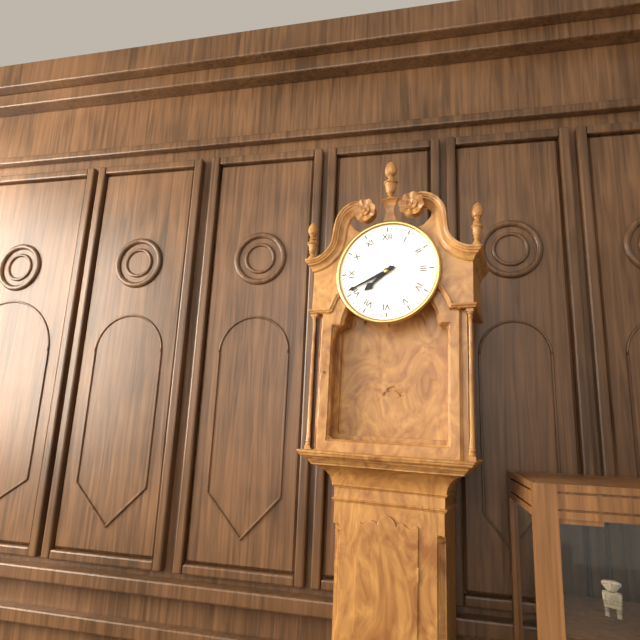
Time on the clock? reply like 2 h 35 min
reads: 7 h 41 min
